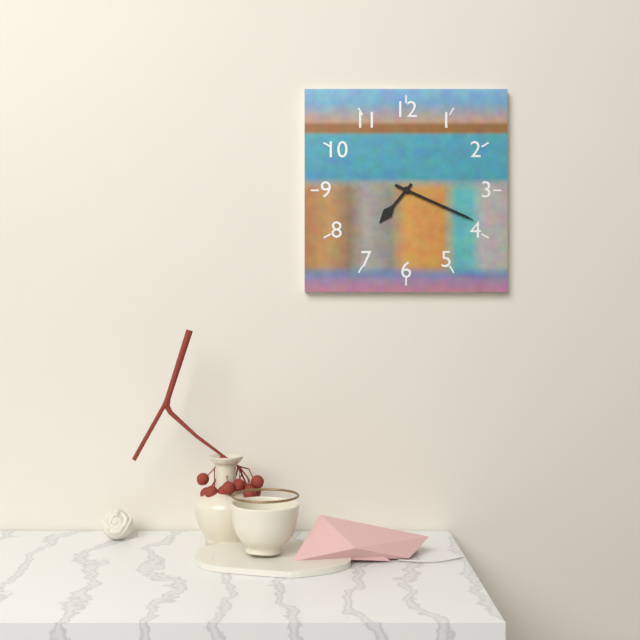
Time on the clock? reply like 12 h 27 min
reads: 7 h 19 min
